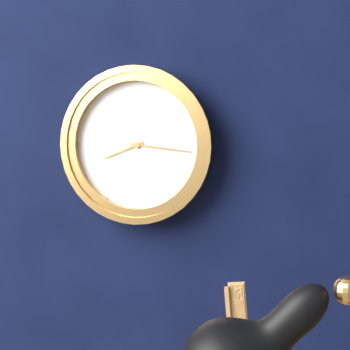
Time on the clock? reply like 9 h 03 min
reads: 8 h 16 min
